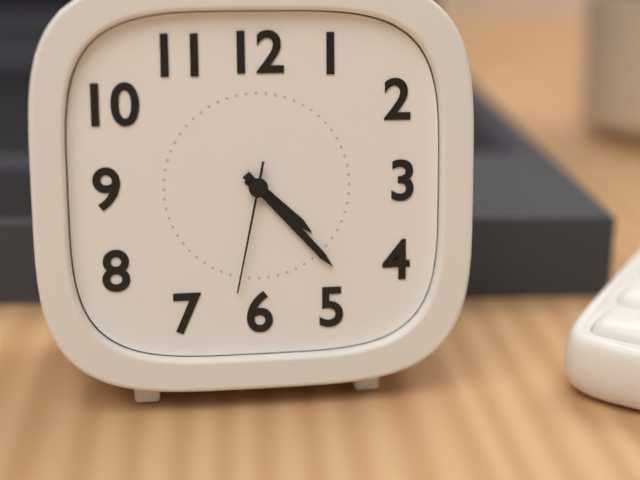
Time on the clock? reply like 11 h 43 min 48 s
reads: 4 h 23 min 32 s
